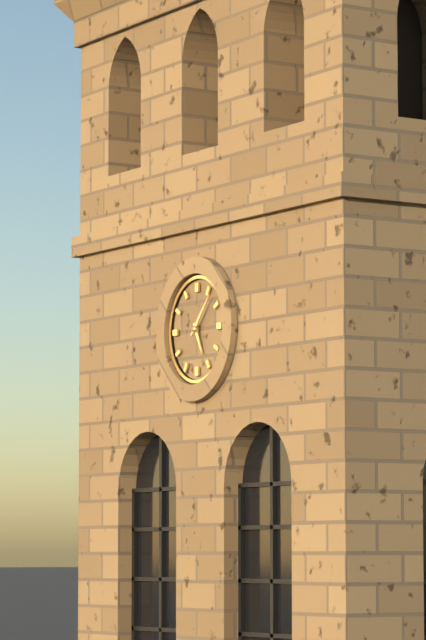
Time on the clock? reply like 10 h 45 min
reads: 5 h 07 min
